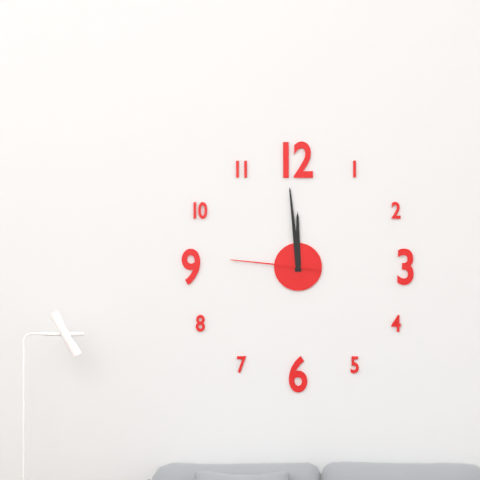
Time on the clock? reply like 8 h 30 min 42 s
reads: 11 h 59 min 46 s
